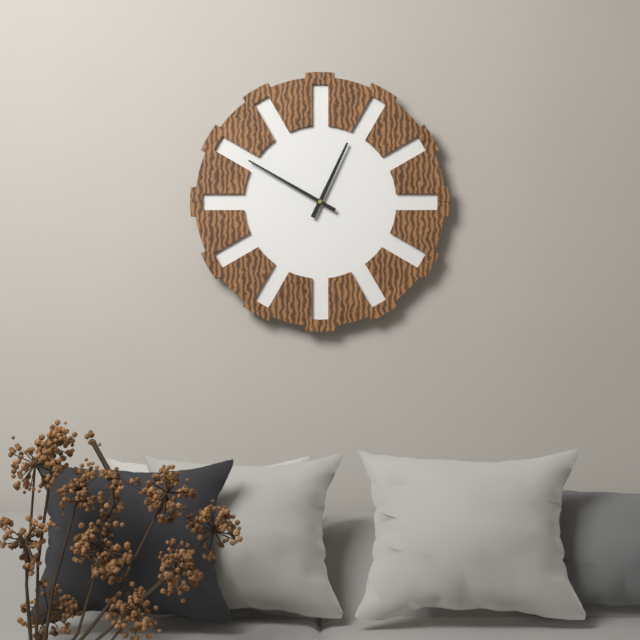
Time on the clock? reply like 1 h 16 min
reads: 12 h 50 min
